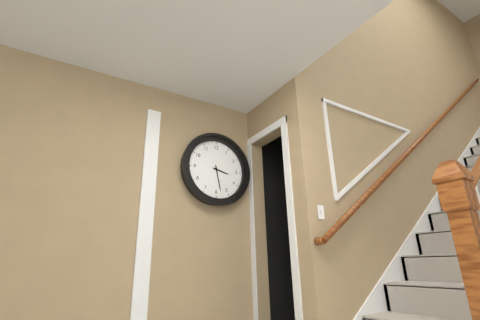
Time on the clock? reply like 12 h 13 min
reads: 3 h 28 min
